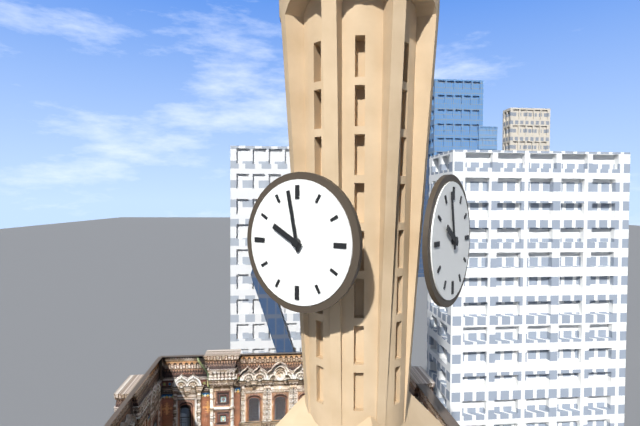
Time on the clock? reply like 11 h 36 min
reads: 9 h 58 min
